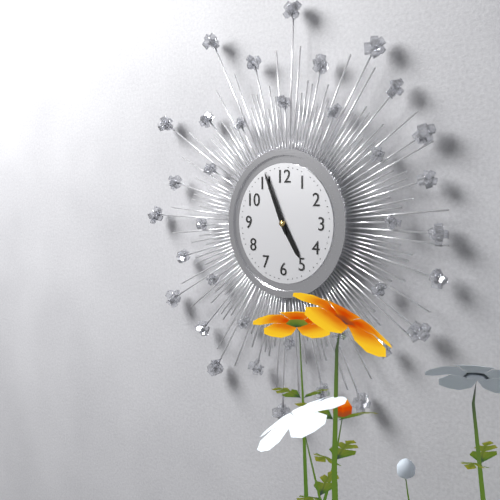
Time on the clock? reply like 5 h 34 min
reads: 4 h 56 min
